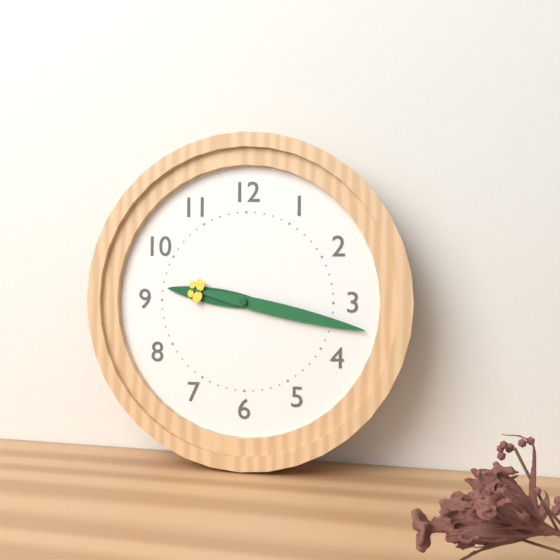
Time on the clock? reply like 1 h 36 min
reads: 9 h 17 min
